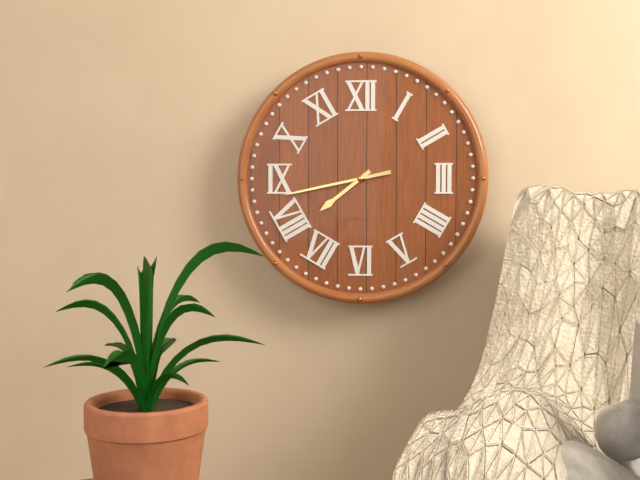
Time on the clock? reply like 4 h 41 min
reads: 7 h 43 min
